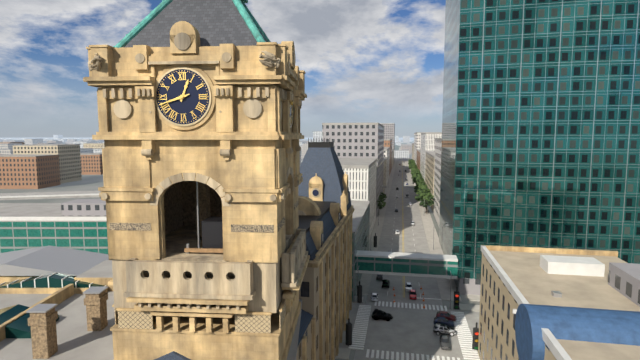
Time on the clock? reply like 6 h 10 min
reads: 12 h 42 min
